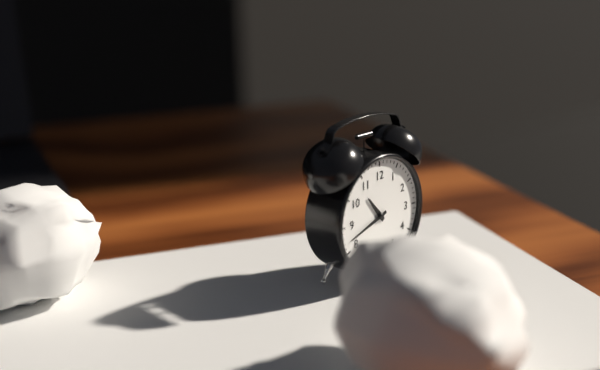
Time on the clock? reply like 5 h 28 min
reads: 10 h 42 min
